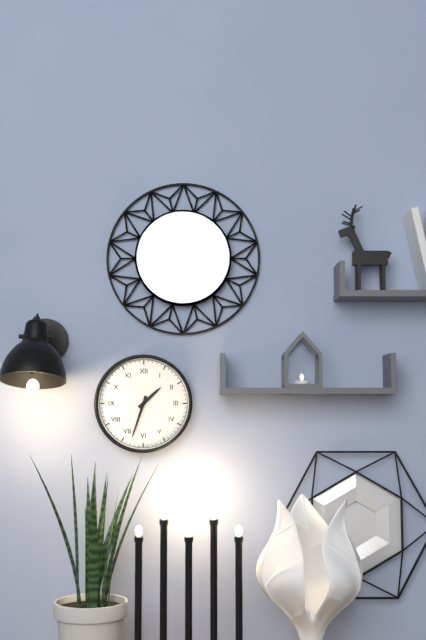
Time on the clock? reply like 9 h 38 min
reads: 1 h 33 min
